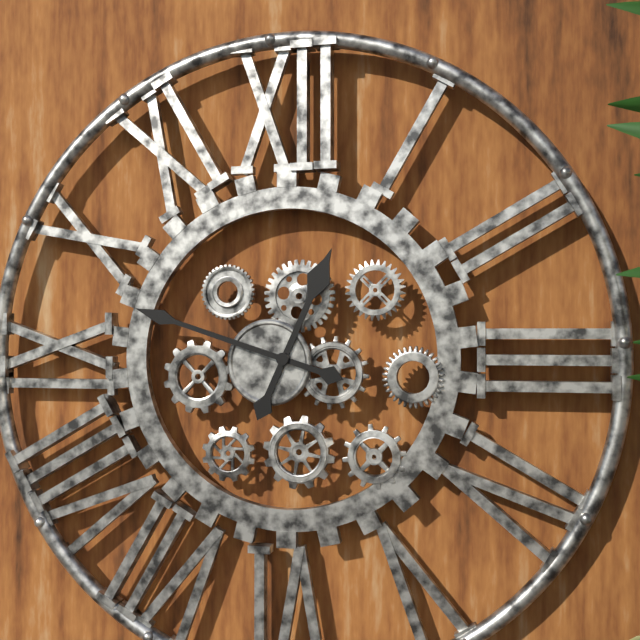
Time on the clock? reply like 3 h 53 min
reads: 12 h 48 min
